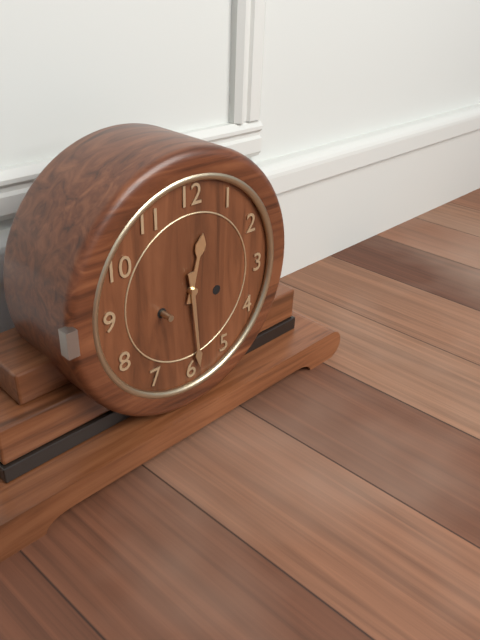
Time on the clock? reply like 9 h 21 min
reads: 12 h 29 min
